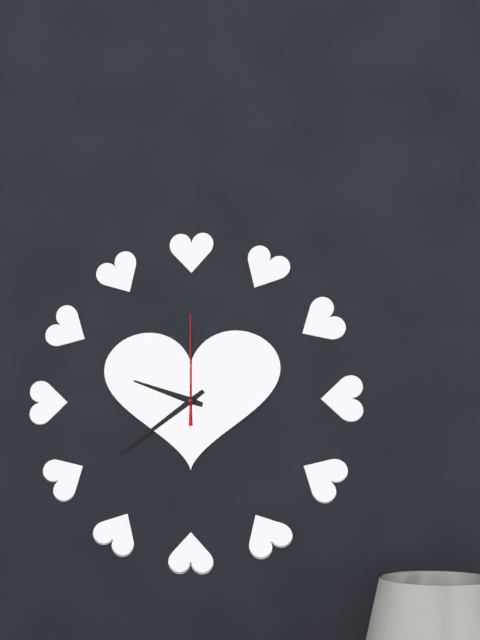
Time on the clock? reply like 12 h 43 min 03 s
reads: 9 h 39 min 00 s
